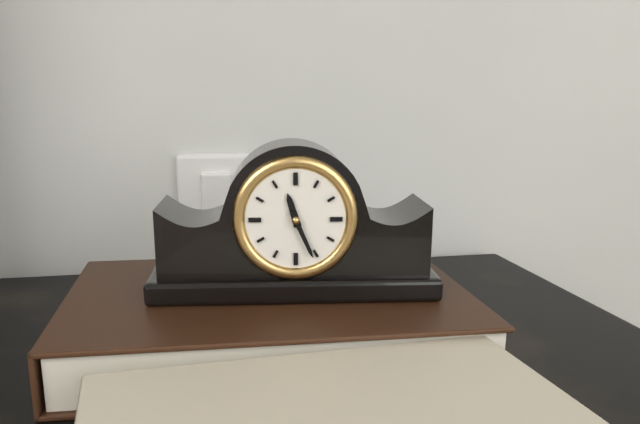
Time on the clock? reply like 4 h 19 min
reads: 11 h 26 min
